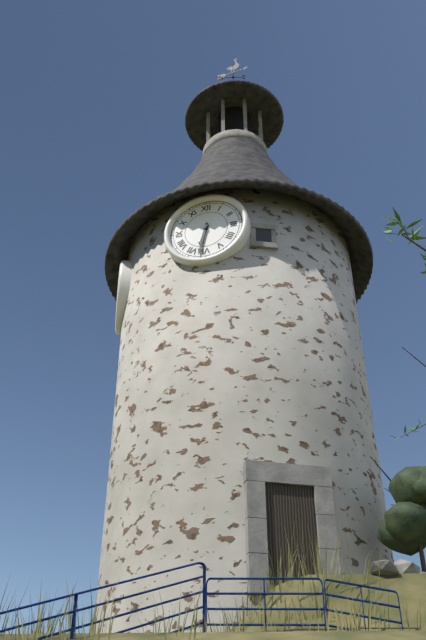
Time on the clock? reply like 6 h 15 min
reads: 6 h 32 min
